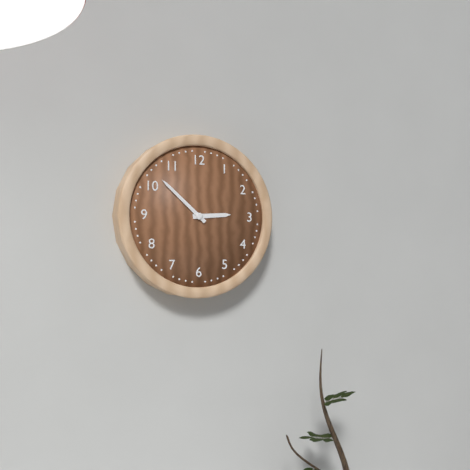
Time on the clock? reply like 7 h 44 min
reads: 2 h 52 min
